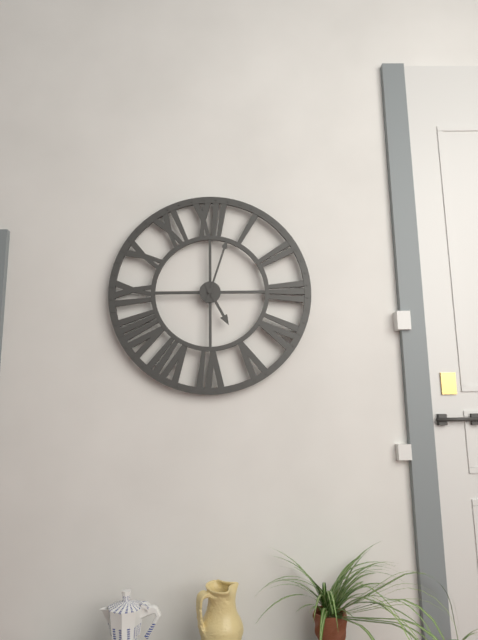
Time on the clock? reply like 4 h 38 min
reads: 5 h 03 min
